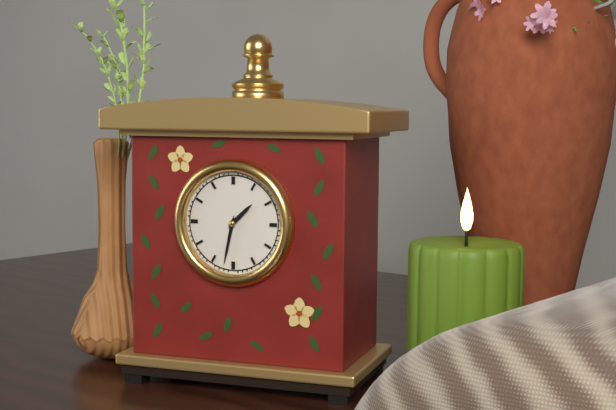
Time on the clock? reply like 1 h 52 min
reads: 1 h 32 min
